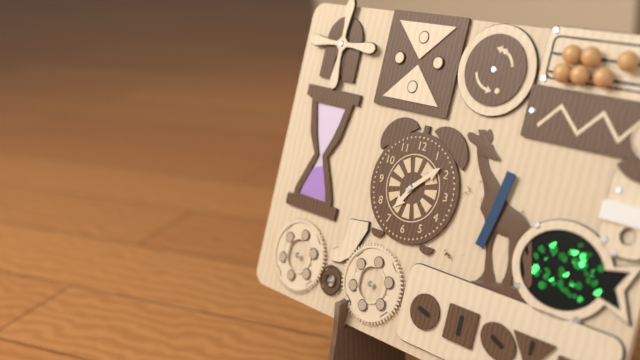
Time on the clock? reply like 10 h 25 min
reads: 7 h 08 min
